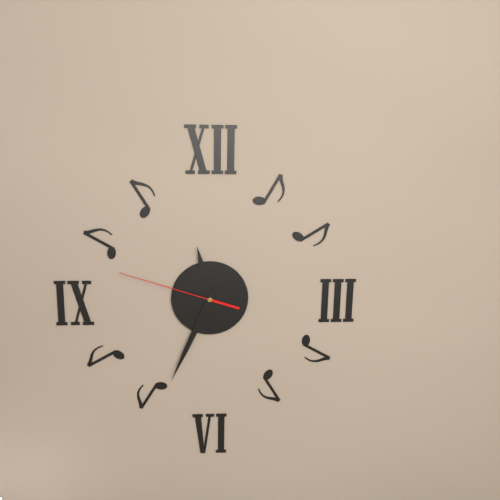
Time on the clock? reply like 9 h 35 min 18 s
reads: 11 h 34 min 48 s
